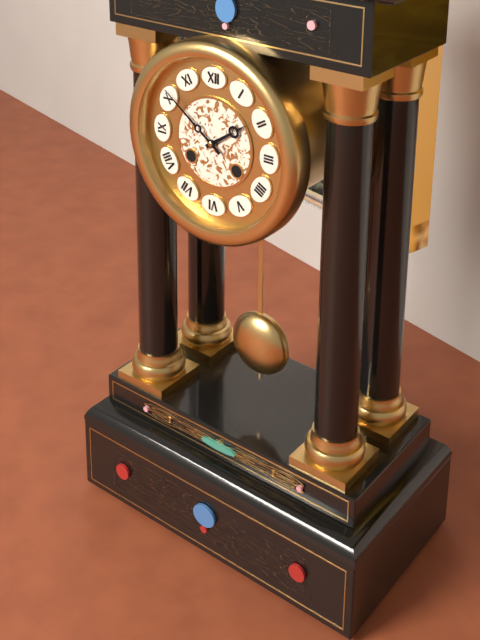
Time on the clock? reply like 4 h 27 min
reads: 1 h 51 min
